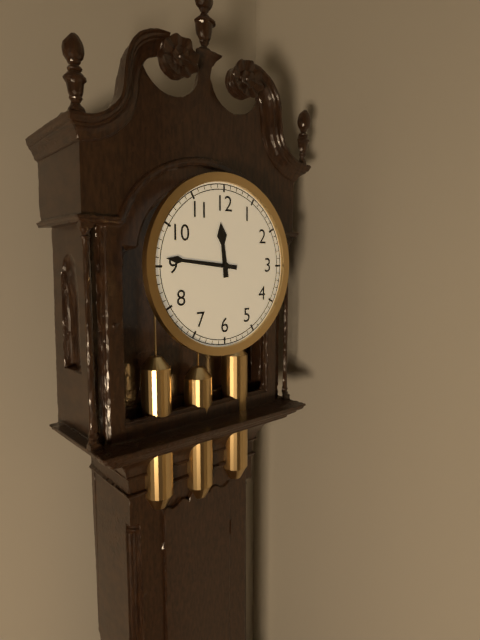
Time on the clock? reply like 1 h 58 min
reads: 11 h 46 min
